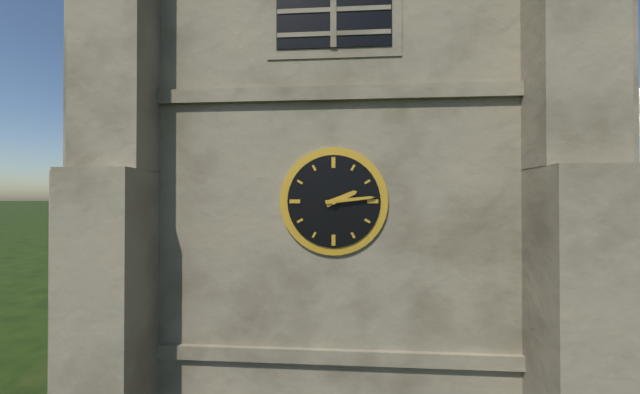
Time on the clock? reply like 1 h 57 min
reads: 2 h 14 min
